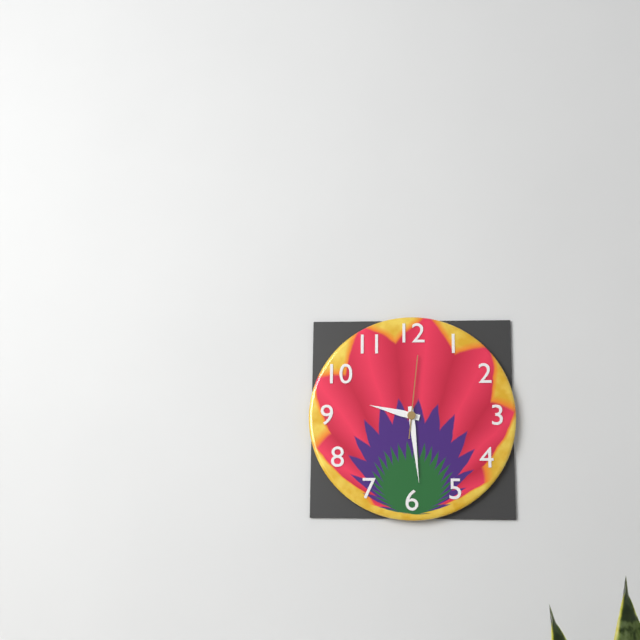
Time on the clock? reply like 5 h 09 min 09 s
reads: 9 h 29 min 01 s
